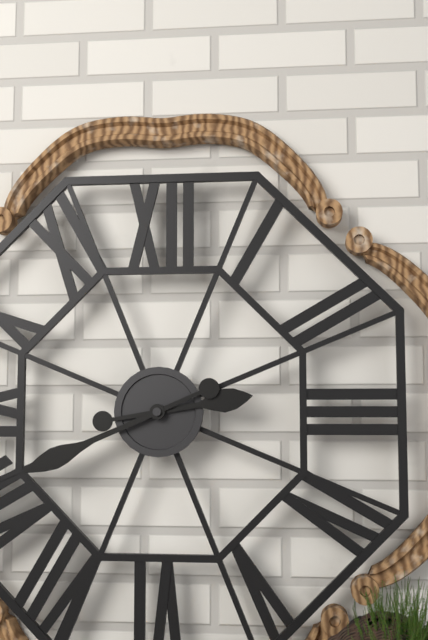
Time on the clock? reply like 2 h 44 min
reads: 2 h 41 min
